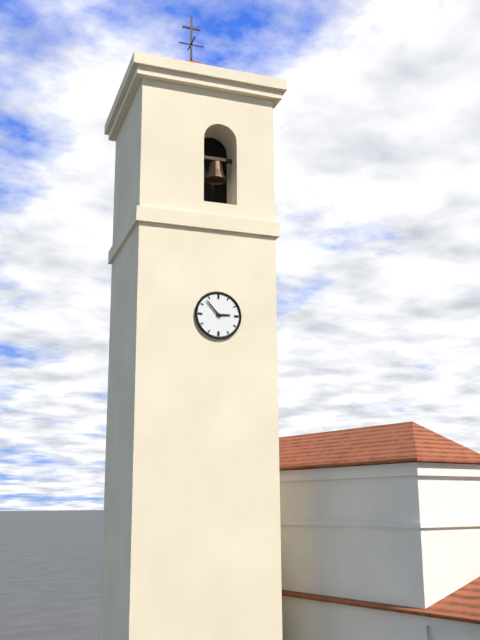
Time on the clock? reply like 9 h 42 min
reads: 2 h 53 min
